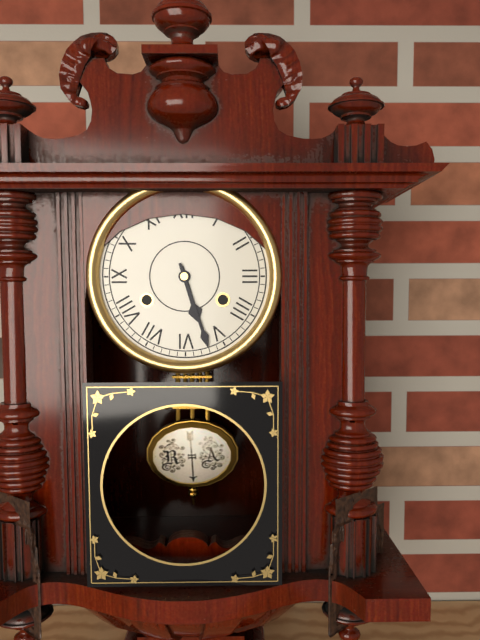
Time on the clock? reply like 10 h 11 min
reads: 5 h 27 min
